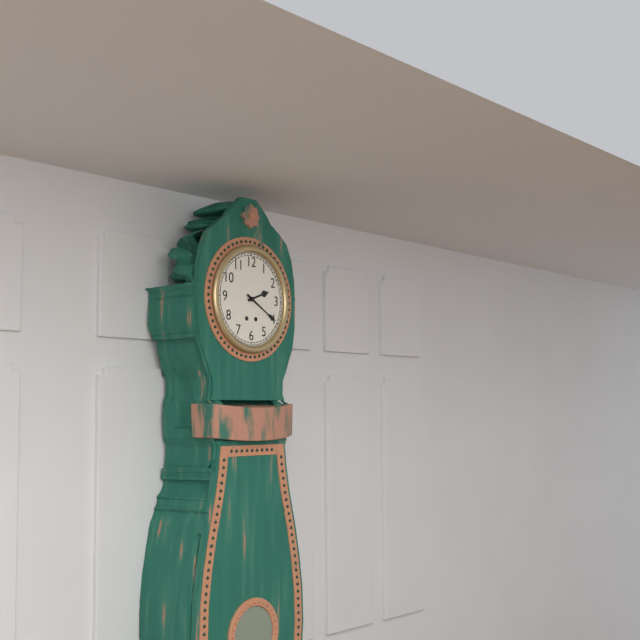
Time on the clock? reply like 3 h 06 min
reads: 2 h 20 min
